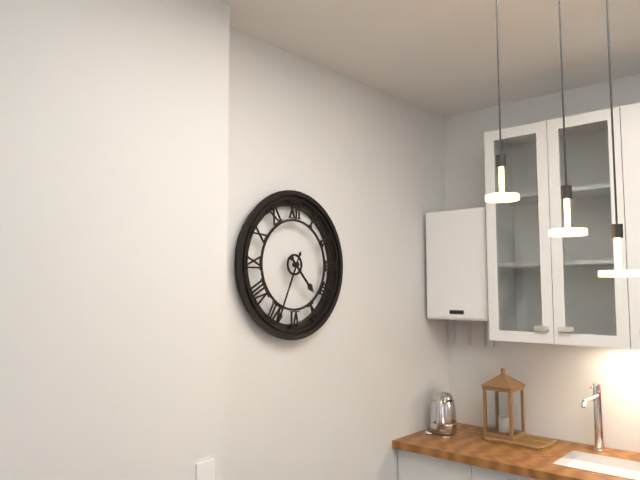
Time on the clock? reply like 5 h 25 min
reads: 4 h 34 min
